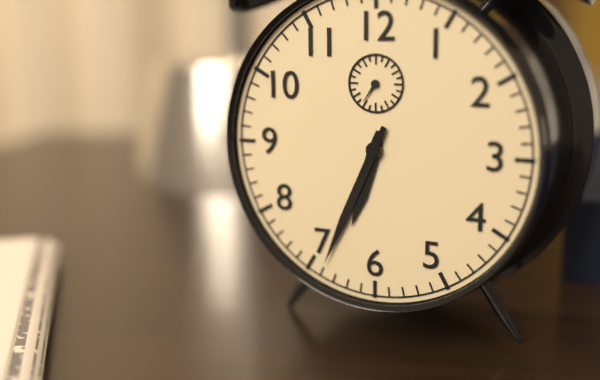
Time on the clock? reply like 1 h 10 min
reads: 6 h 34 min
